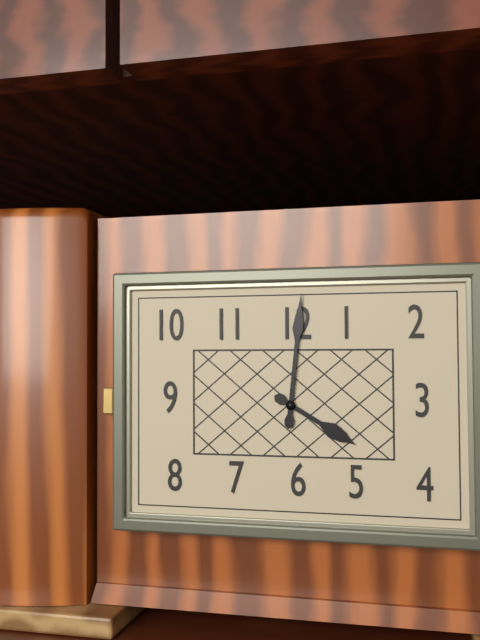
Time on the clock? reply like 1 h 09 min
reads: 4 h 01 min
